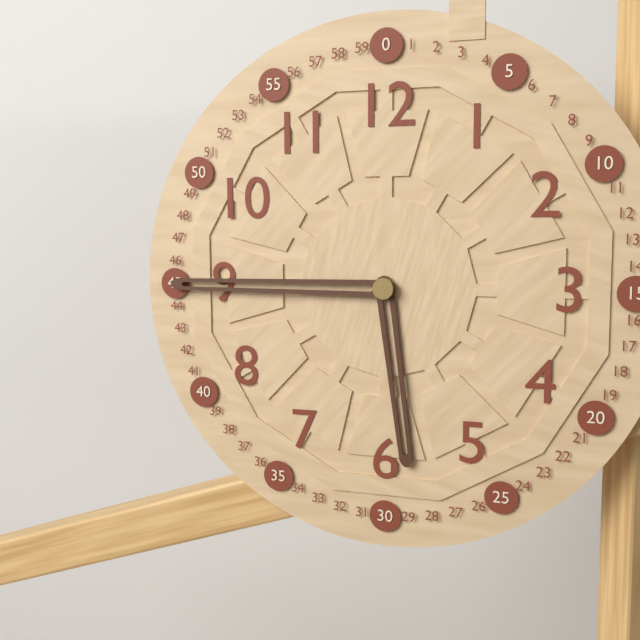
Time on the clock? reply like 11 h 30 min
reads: 5 h 45 min
